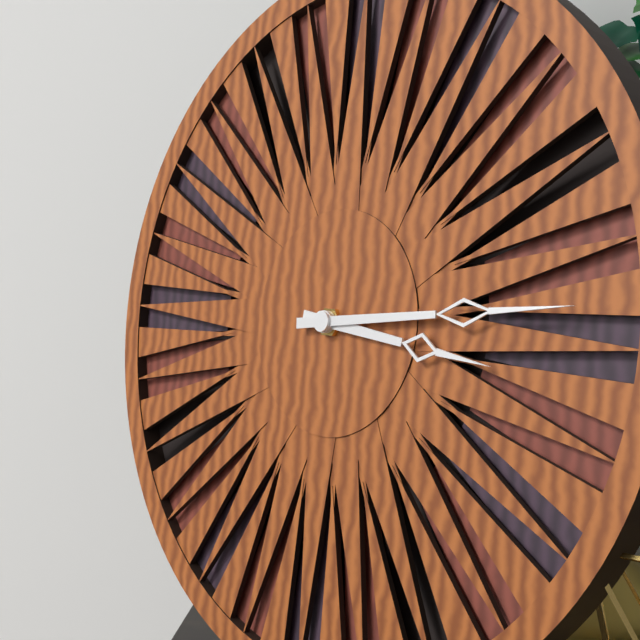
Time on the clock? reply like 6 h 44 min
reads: 3 h 14 min
